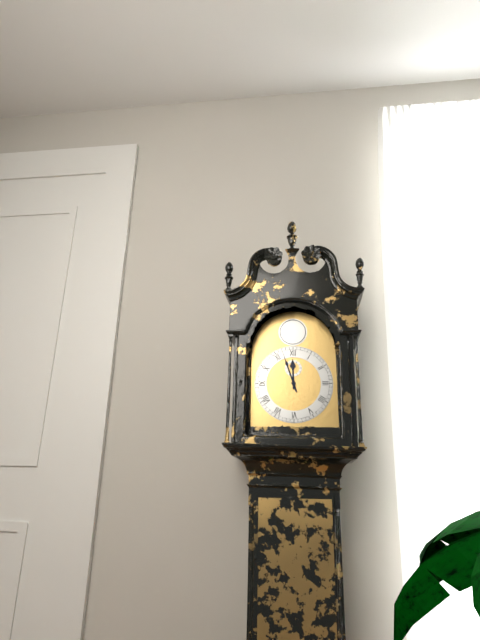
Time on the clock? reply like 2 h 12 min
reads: 11 h 57 min
